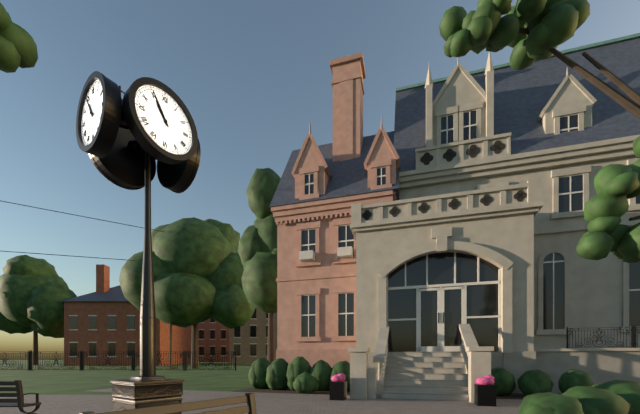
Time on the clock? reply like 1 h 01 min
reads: 10 h 55 min
